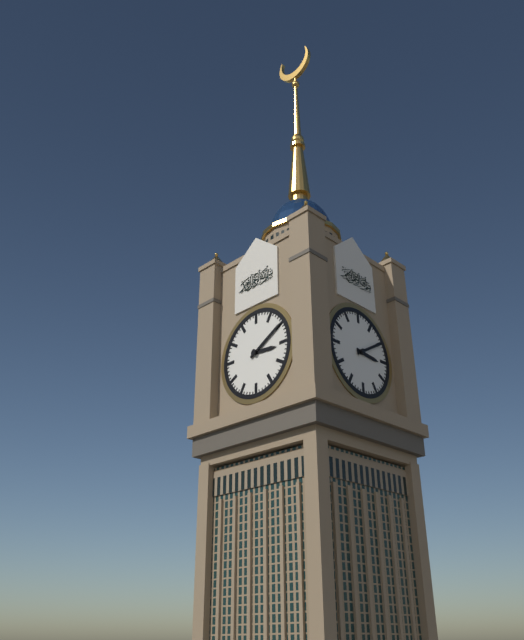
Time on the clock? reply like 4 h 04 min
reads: 3 h 10 min
